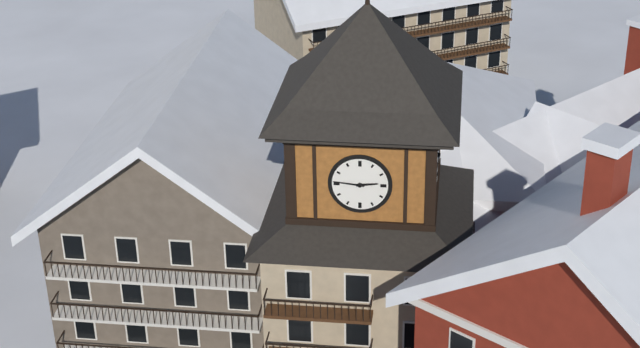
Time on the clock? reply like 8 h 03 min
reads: 2 h 46 min
